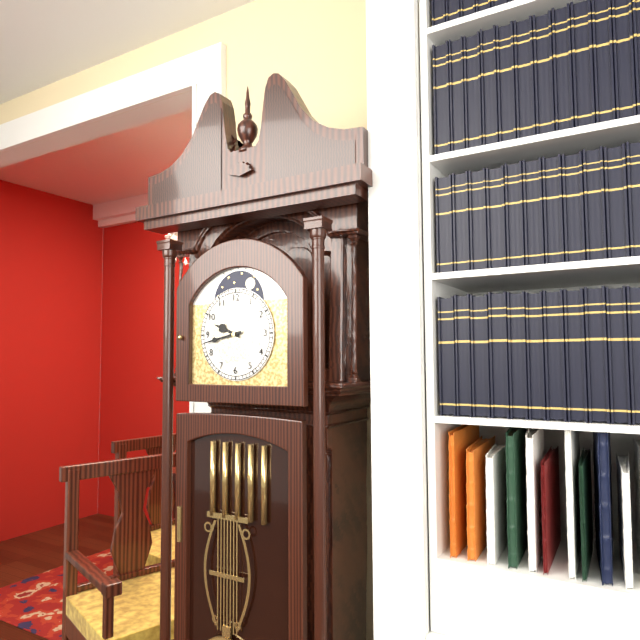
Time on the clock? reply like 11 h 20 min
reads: 9 h 43 min
